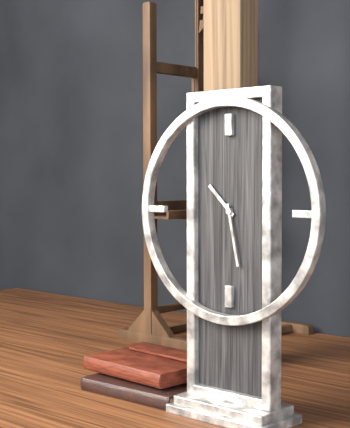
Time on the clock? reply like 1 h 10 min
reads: 10 h 28 min
